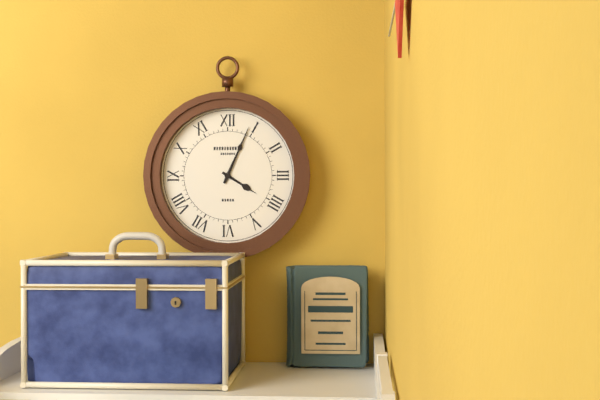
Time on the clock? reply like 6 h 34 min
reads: 4 h 04 min
